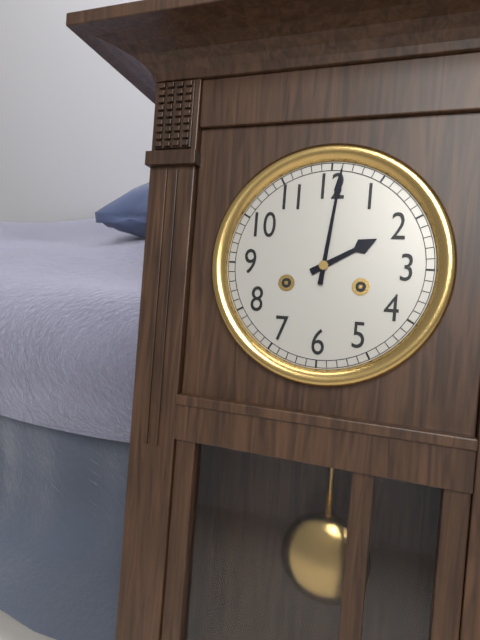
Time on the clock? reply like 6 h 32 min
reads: 2 h 01 min
